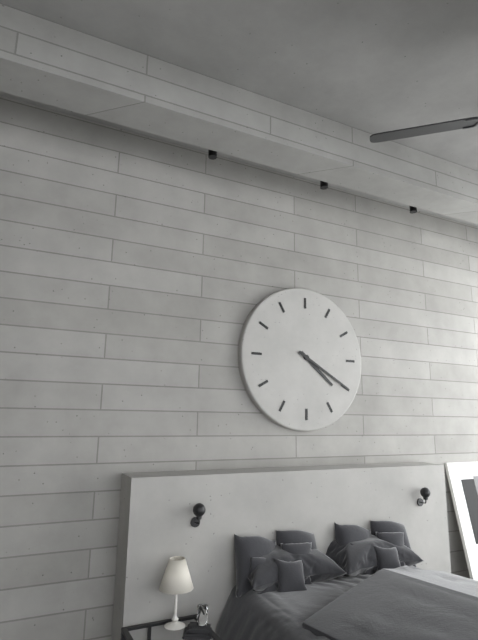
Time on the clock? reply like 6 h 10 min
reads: 4 h 20 min
